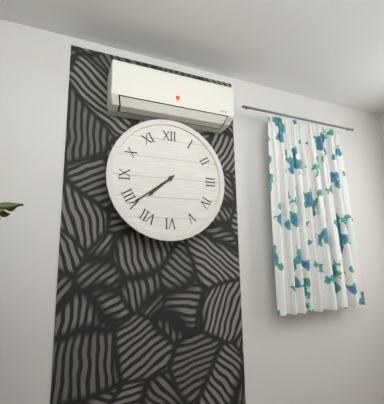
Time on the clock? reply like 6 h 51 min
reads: 7 h 39 min
